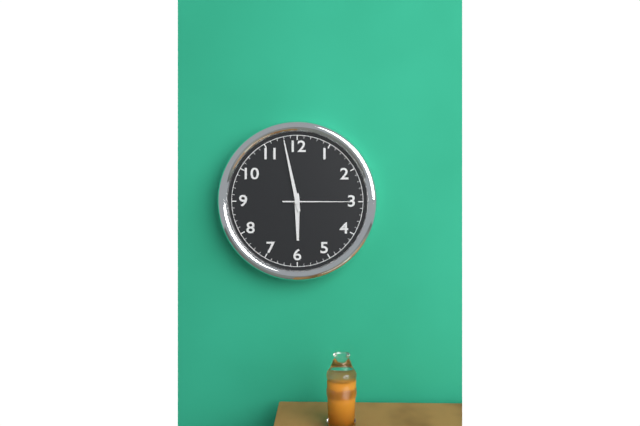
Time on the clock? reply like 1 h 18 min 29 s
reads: 5 h 58 min 15 s
